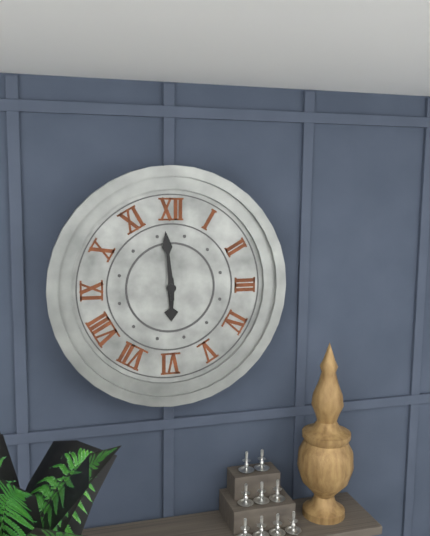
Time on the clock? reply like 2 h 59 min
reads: 5 h 59 min
